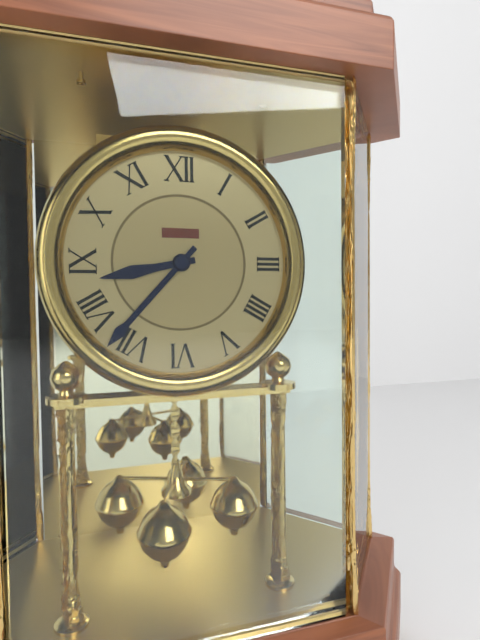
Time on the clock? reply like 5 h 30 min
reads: 8 h 37 min
